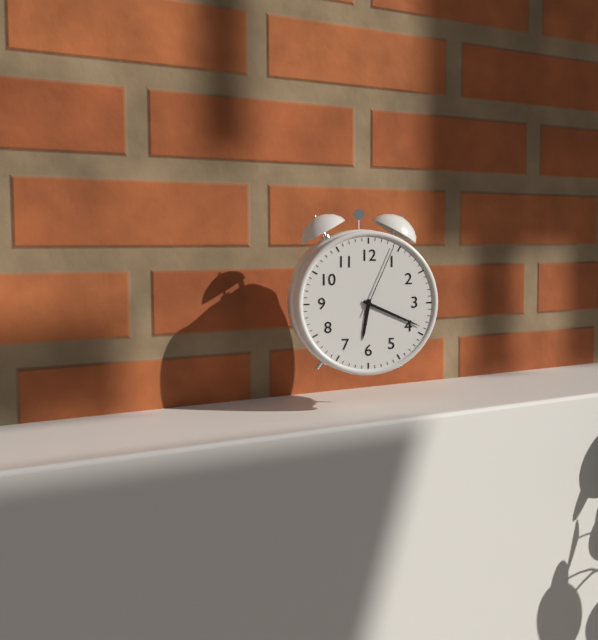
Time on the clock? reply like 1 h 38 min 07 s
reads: 6 h 19 min 04 s
